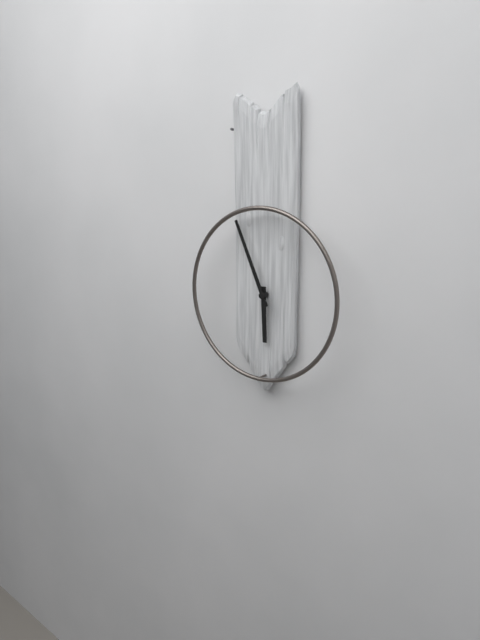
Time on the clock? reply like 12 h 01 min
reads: 5 h 56 min
